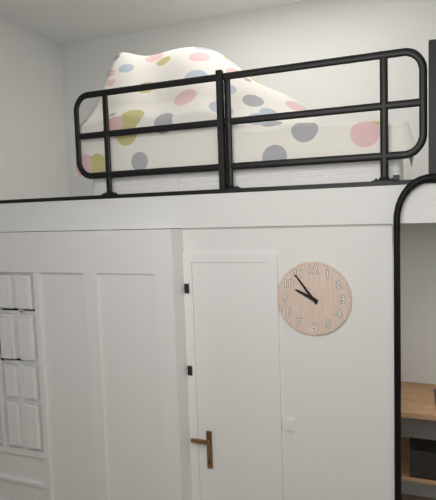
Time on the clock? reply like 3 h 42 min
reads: 9 h 54 min
